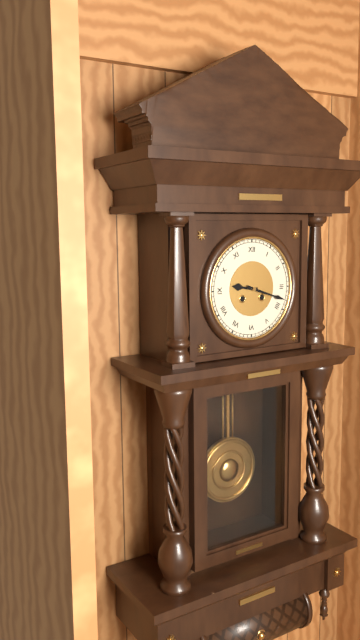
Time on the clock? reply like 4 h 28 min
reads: 9 h 18 min
